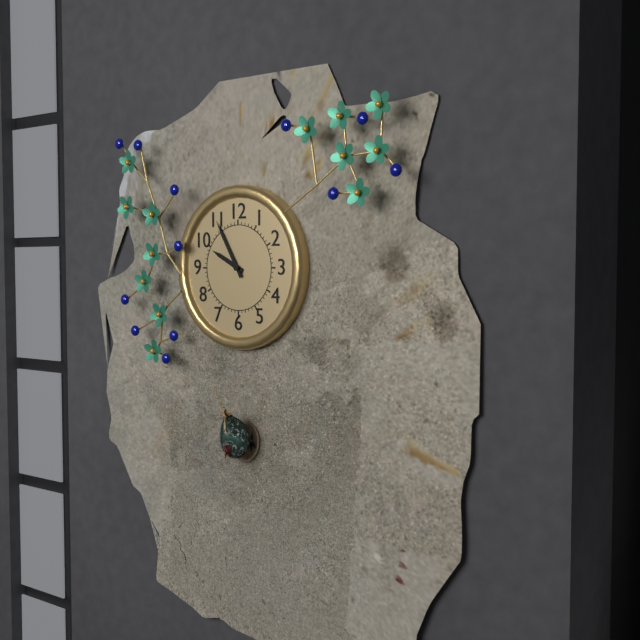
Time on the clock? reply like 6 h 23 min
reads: 9 h 55 min
